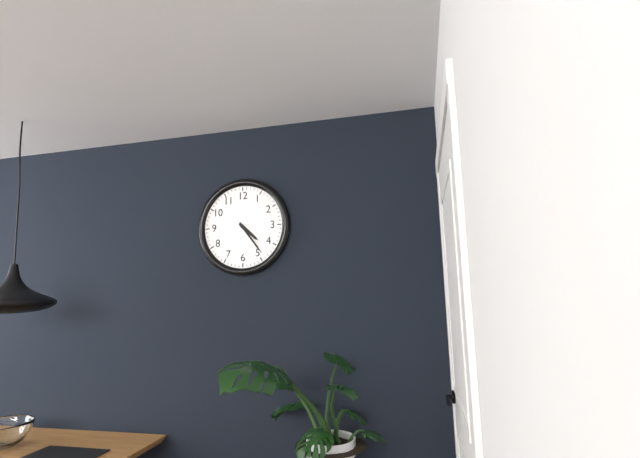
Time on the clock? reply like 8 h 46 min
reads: 4 h 24 min
